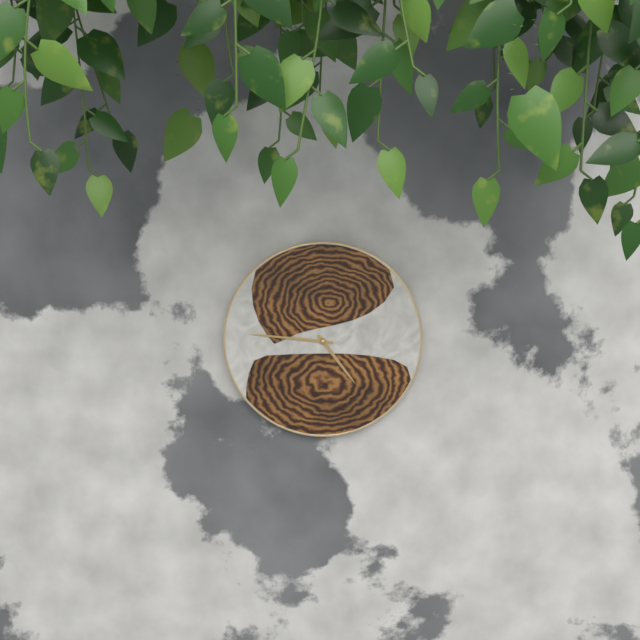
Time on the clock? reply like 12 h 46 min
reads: 4 h 46 min
